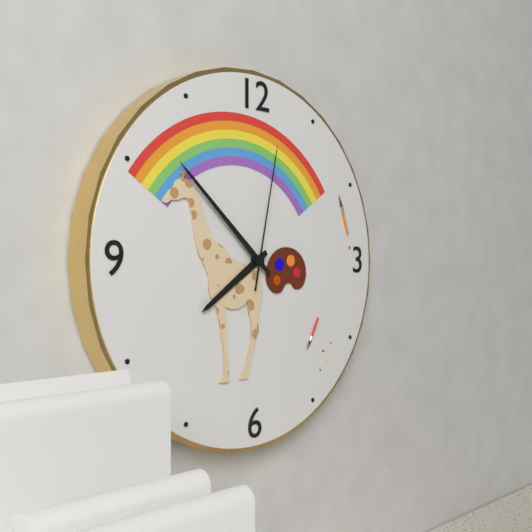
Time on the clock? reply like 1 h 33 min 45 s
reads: 7 h 52 min 02 s
